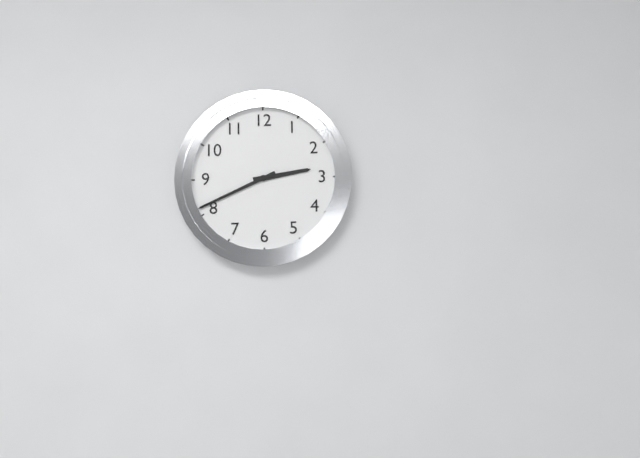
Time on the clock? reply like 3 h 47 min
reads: 2 h 41 min
